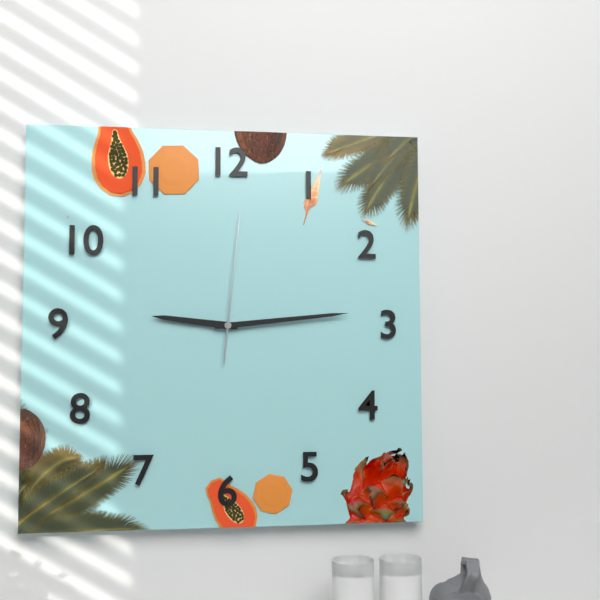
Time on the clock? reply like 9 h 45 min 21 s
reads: 9 h 14 min 01 s
